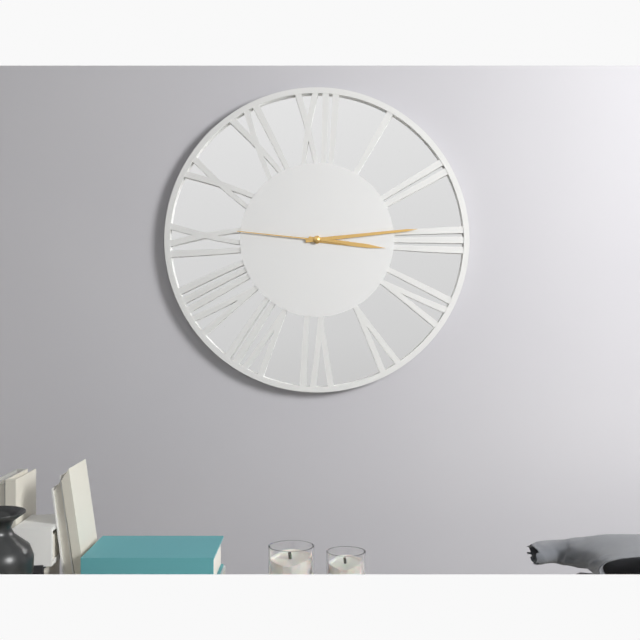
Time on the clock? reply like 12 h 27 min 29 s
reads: 3 h 14 min 46 s
